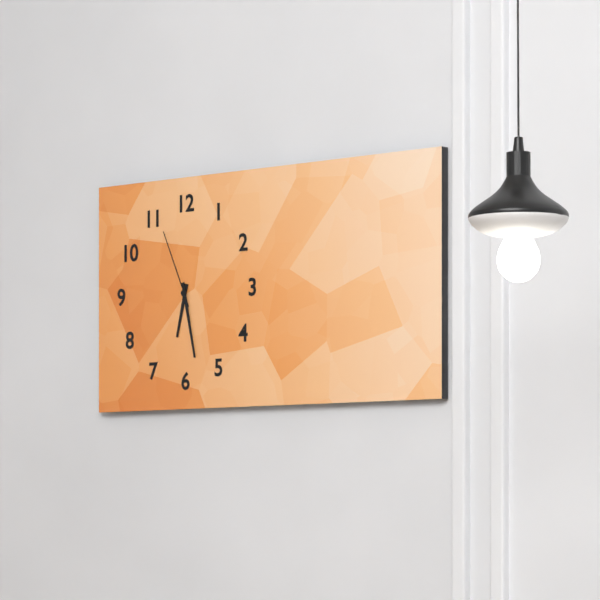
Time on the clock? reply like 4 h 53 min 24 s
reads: 6 h 28 min 56 s
